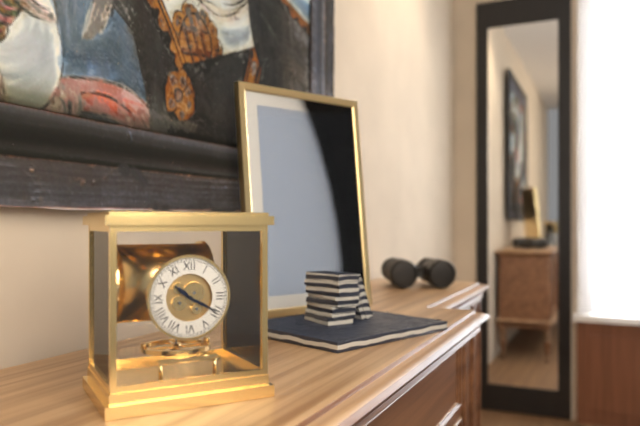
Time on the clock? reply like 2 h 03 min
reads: 10 h 20 min
